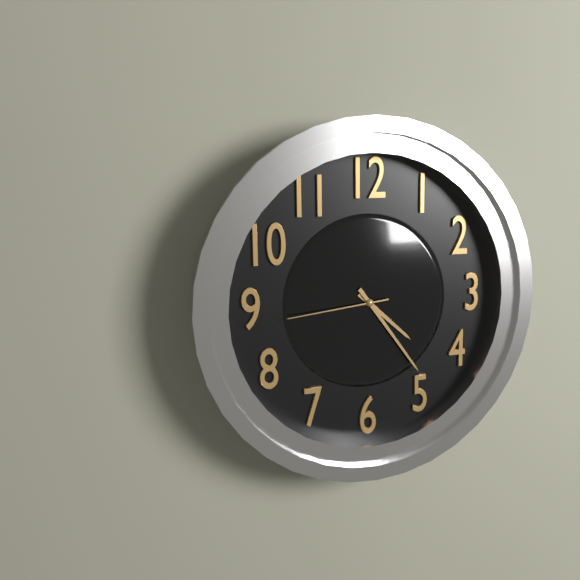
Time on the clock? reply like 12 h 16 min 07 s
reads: 4 h 24 min 44 s
